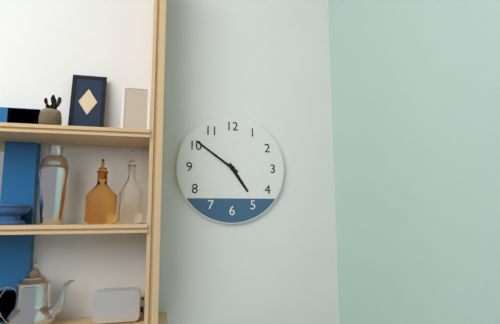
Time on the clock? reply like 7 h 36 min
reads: 4 h 51 min
